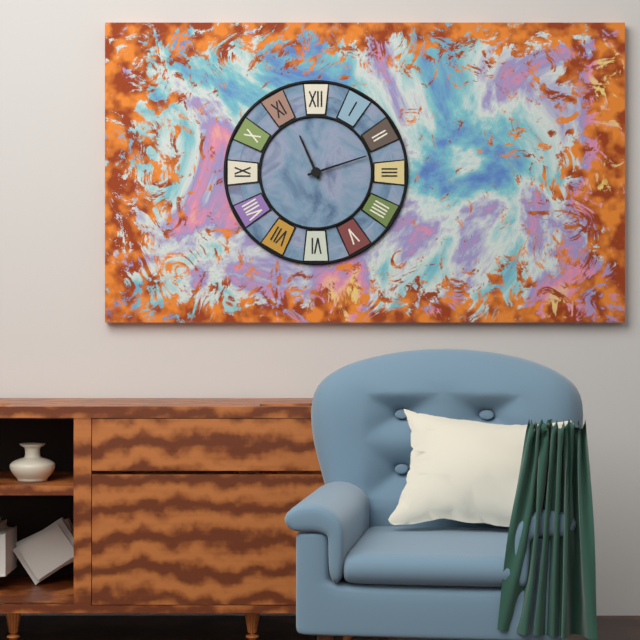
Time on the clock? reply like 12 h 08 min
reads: 11 h 12 min
